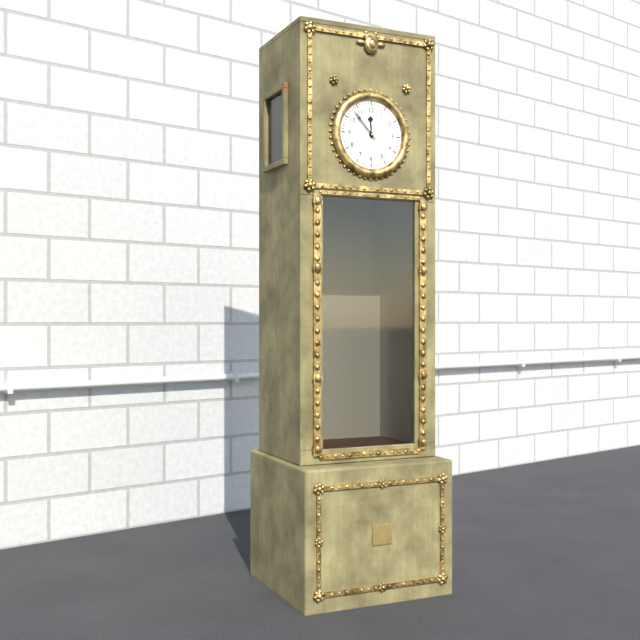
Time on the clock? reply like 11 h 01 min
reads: 11 h 53 min
